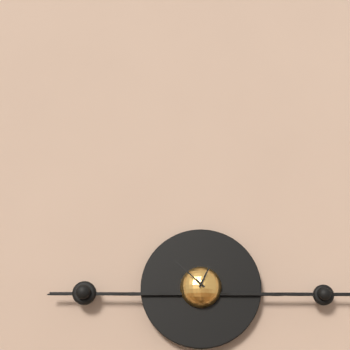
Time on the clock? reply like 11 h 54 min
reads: 12 h 52 min
